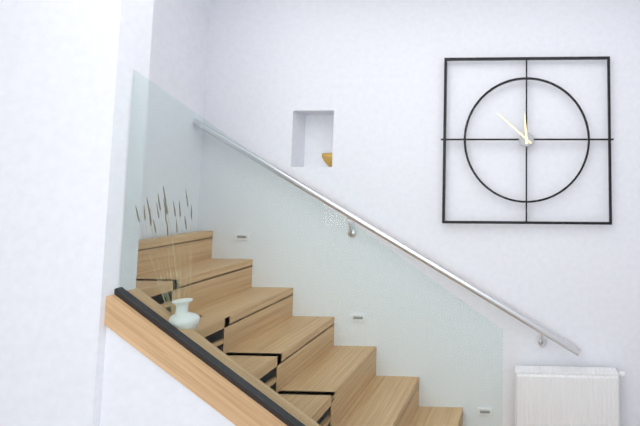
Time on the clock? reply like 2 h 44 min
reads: 11 h 52 min
